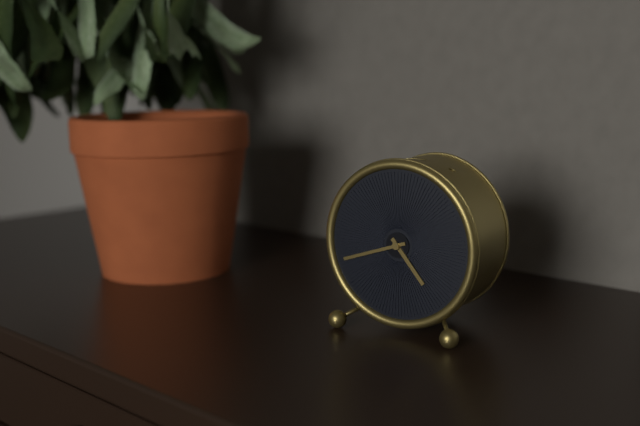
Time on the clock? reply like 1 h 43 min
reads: 4 h 42 min
